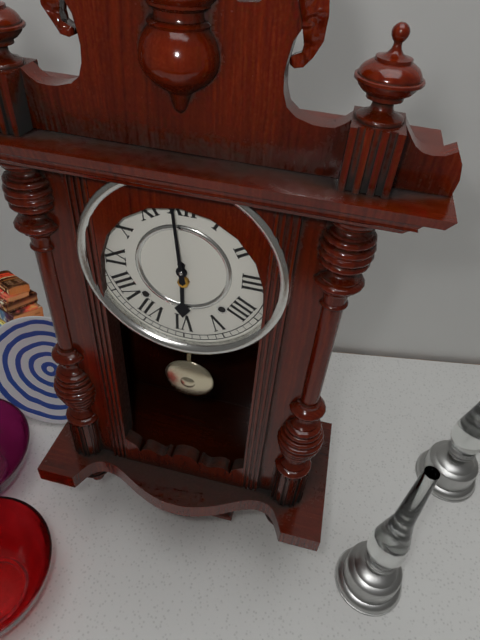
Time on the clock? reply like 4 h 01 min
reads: 5 h 59 min
